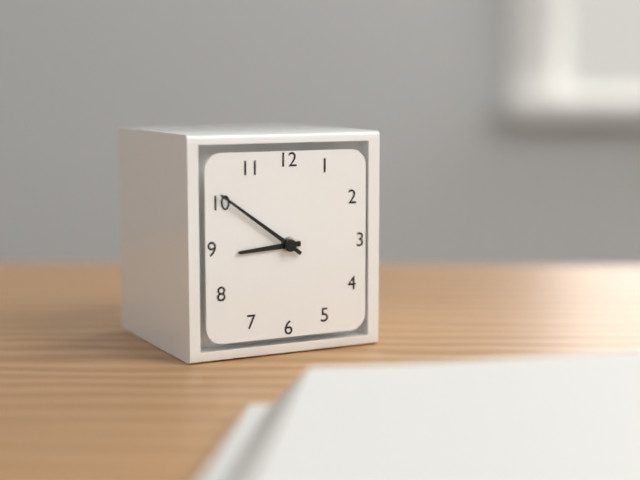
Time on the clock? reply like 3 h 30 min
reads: 8 h 51 min
